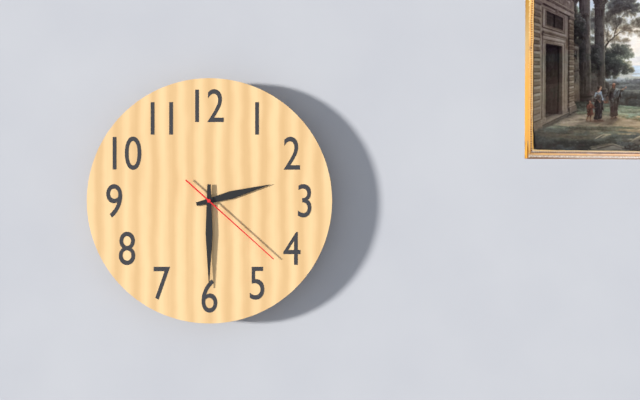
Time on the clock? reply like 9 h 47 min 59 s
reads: 2 h 30 min 22 s
